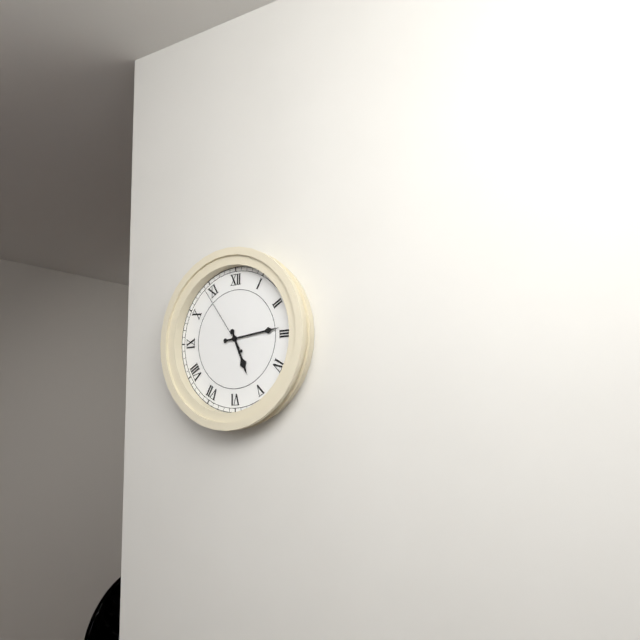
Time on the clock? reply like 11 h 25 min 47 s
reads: 5 h 14 min 54 s
